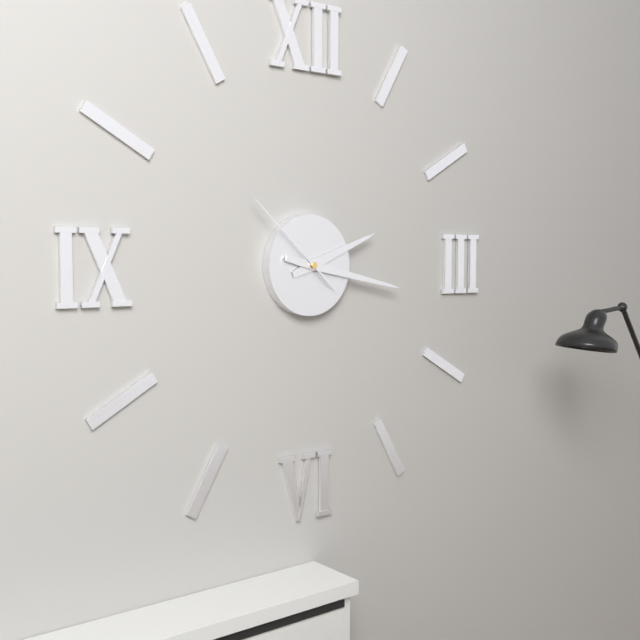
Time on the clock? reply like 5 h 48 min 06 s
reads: 2 h 17 min 52 s
